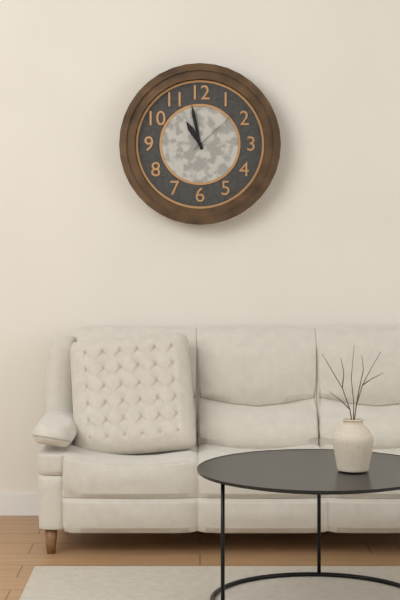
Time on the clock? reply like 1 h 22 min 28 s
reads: 10 h 58 min 08 s
